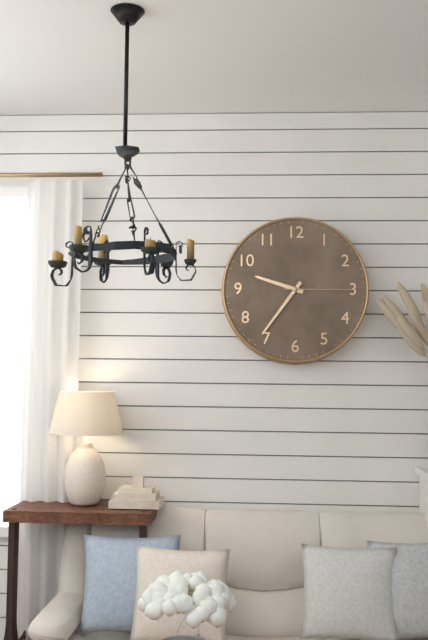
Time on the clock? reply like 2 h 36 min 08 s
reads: 9 h 36 min 15 s
